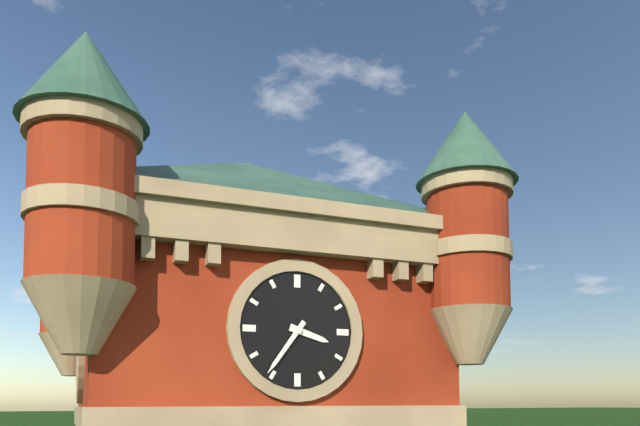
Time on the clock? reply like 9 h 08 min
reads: 3 h 36 min
